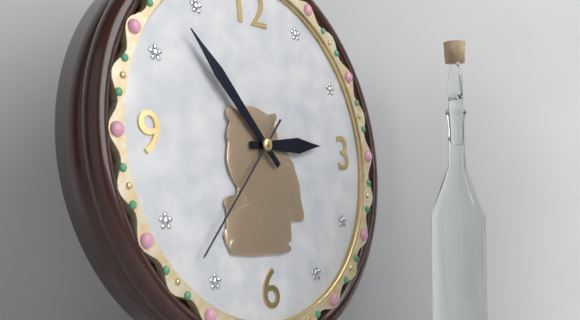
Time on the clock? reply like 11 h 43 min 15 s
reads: 2 h 53 min 37 s
